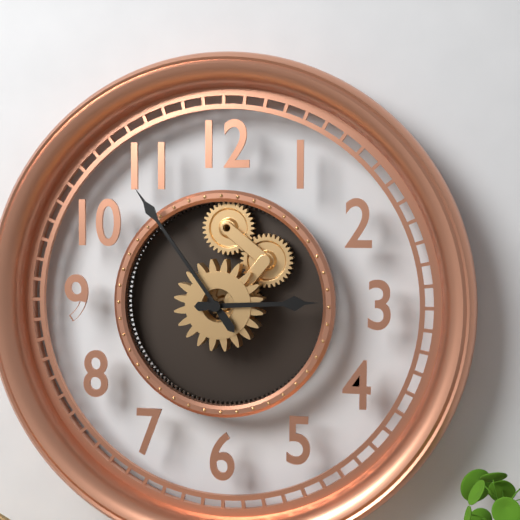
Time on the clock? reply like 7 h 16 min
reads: 2 h 54 min
